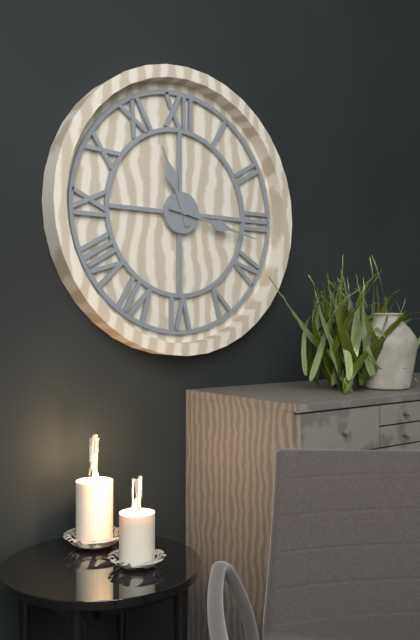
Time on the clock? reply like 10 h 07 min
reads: 11 h 17 min
